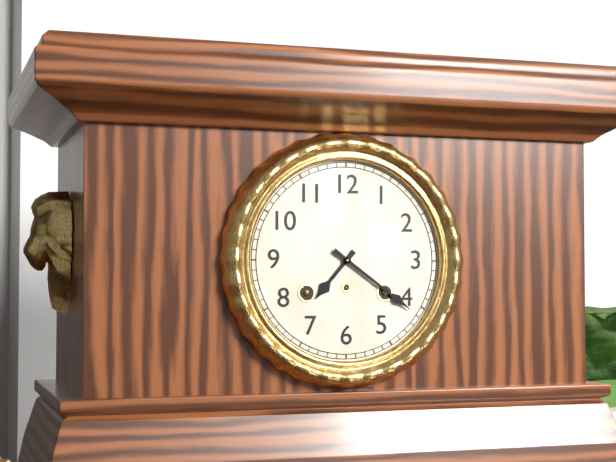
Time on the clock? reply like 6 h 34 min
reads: 7 h 21 min
